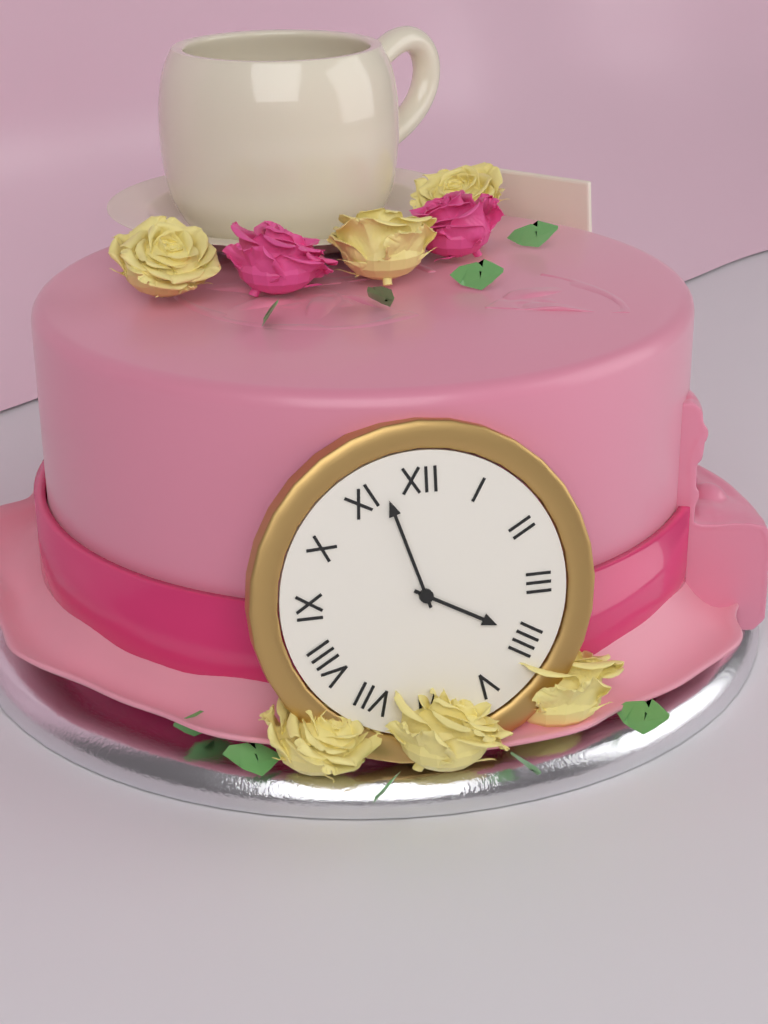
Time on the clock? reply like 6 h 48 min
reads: 3 h 57 min
